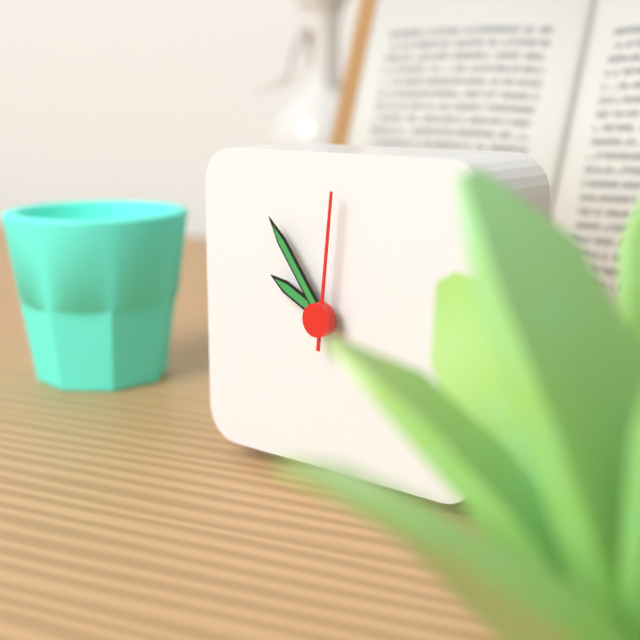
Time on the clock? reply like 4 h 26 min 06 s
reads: 9 h 54 min 01 s
